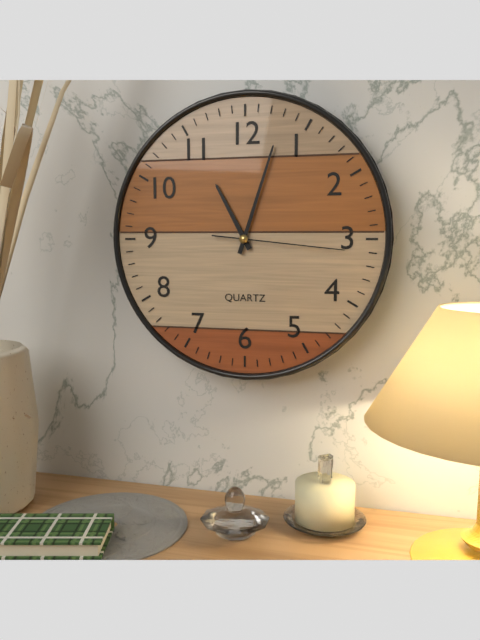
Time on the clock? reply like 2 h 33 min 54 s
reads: 11 h 03 min 16 s
